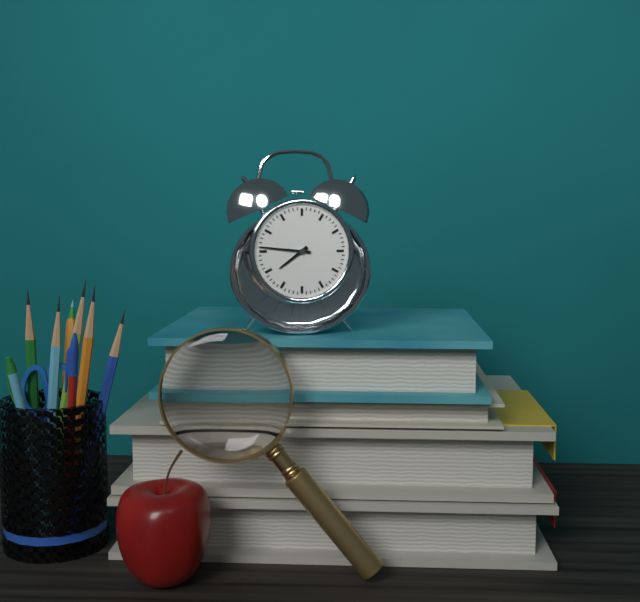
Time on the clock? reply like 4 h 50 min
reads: 7 h 46 min
